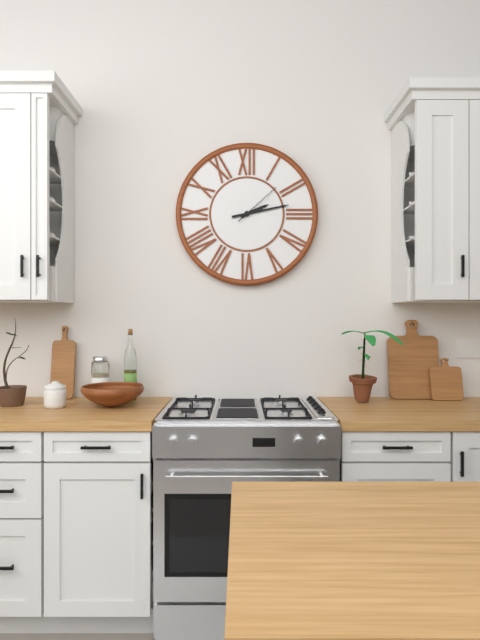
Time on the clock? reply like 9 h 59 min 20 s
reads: 2 h 13 min 08 s
